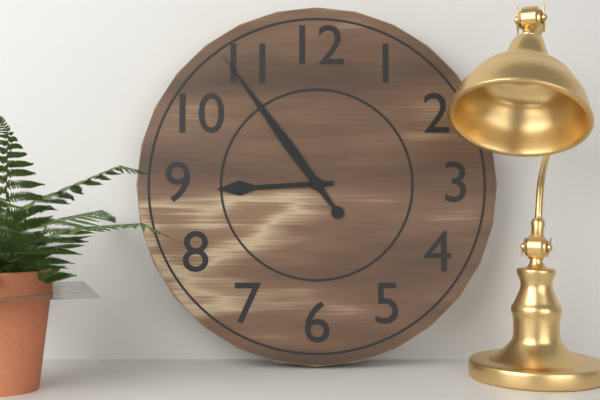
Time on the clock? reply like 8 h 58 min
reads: 8 h 54 min
